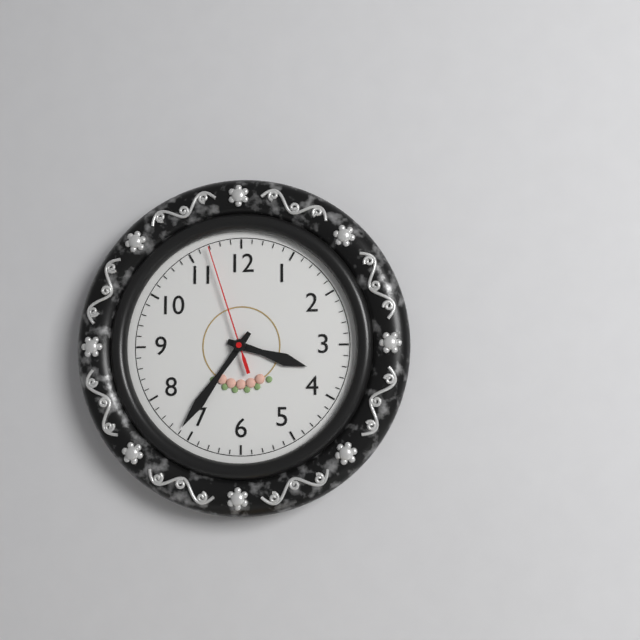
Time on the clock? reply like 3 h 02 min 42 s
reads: 3 h 36 min 57 s
